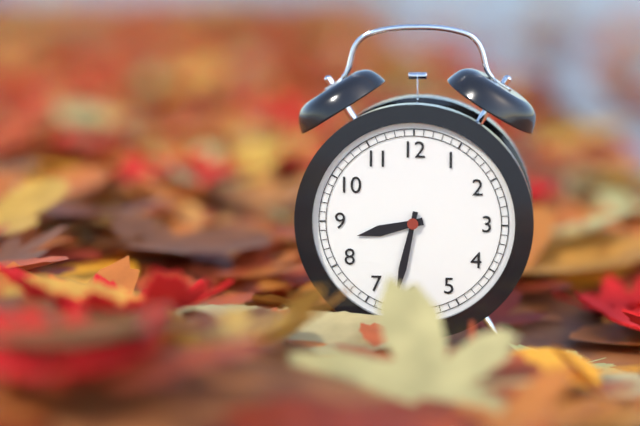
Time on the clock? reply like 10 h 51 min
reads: 8 h 32 min
